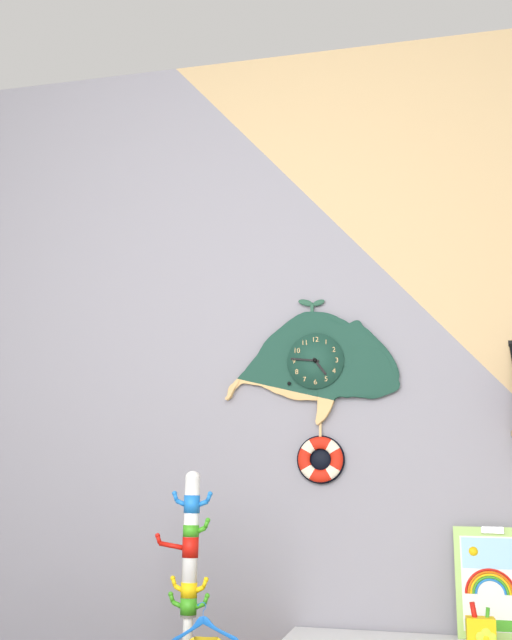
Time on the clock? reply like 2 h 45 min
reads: 4 h 46 min
